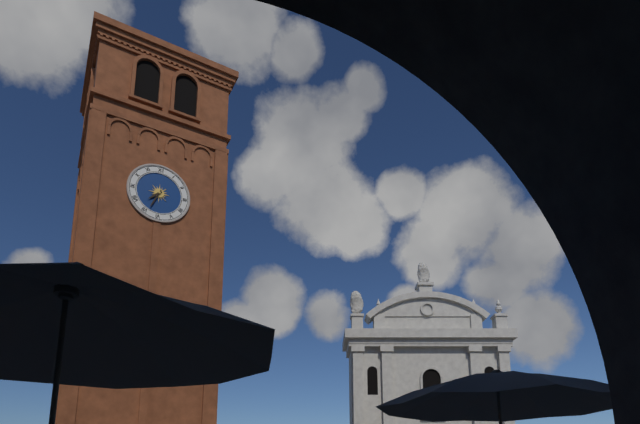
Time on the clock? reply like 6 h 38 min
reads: 7 h 34 min
